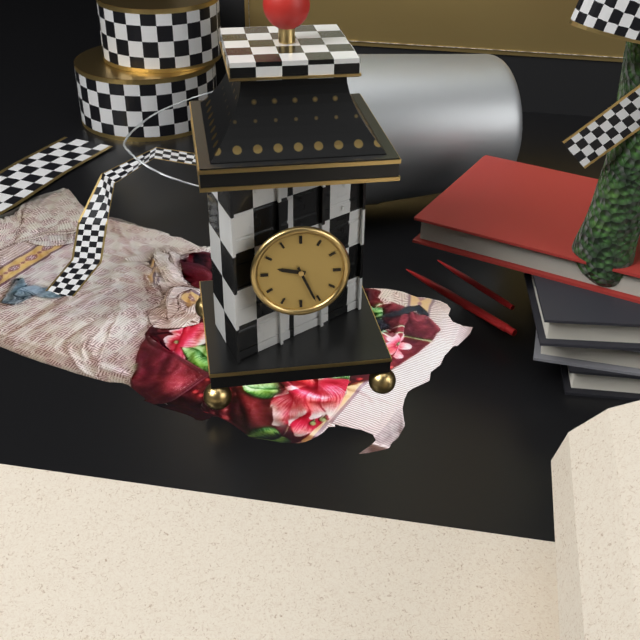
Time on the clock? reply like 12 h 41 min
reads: 9 h 26 min
